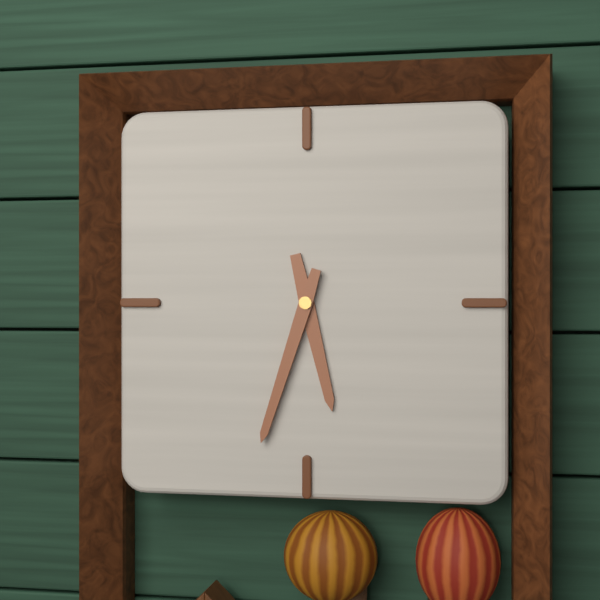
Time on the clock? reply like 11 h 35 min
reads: 5 h 33 min
